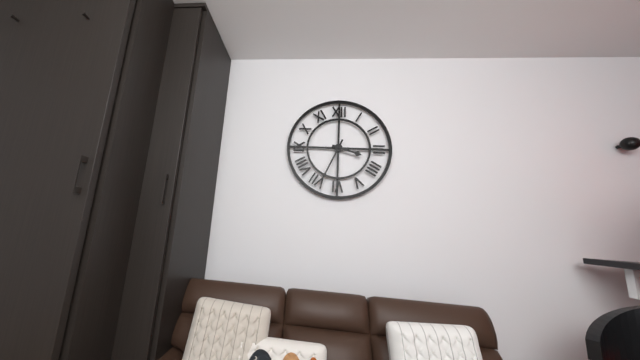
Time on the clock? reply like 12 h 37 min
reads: 3 h 34 min
